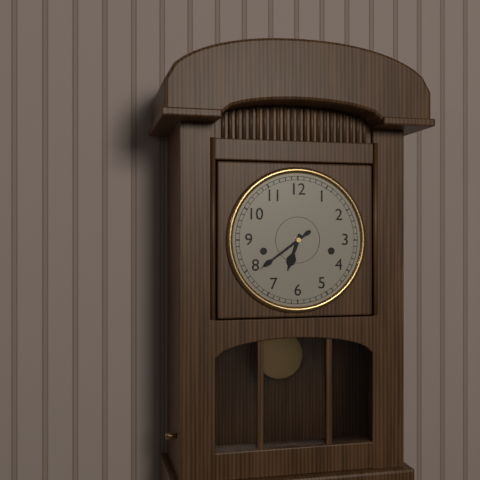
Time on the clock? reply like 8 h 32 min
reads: 6 h 39 min
